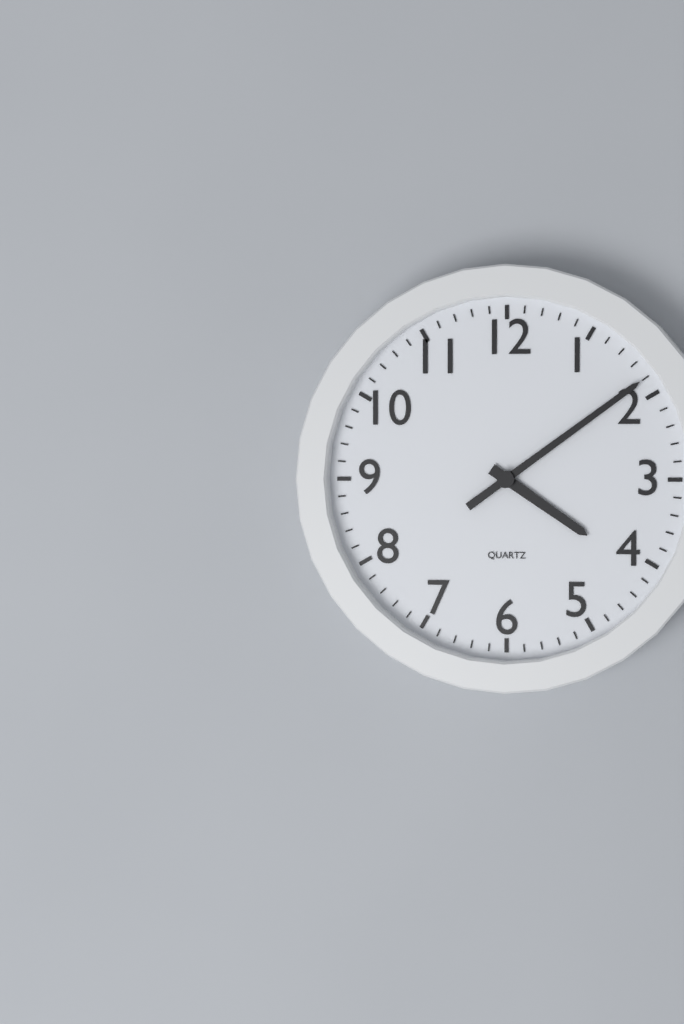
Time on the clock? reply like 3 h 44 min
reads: 4 h 09 min
